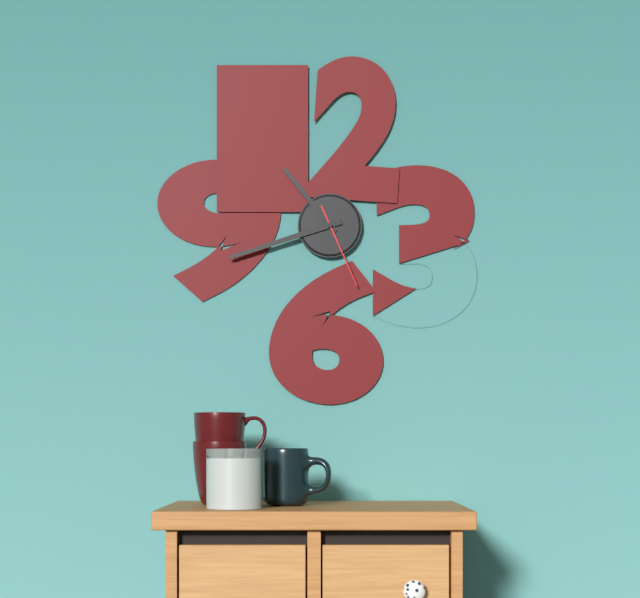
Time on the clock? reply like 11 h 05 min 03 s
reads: 10 h 42 min 26 s
